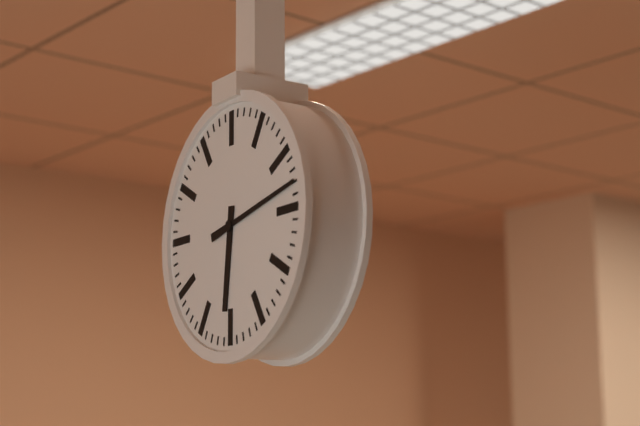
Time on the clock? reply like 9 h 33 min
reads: 6 h 13 min
